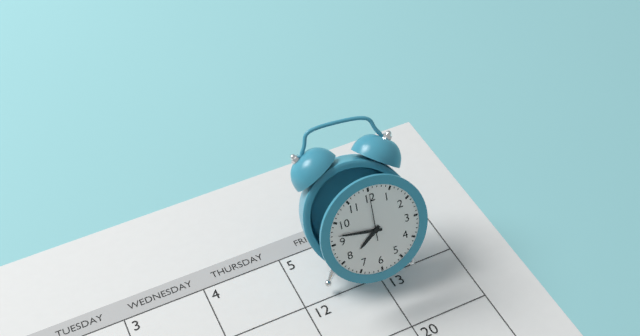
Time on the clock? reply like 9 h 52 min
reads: 7 h 47 min
